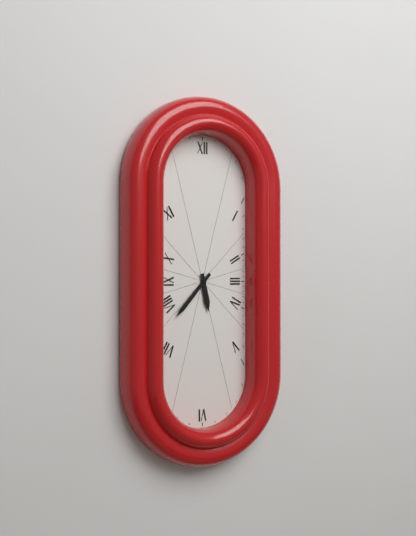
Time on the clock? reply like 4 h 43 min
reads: 5 h 37 min
